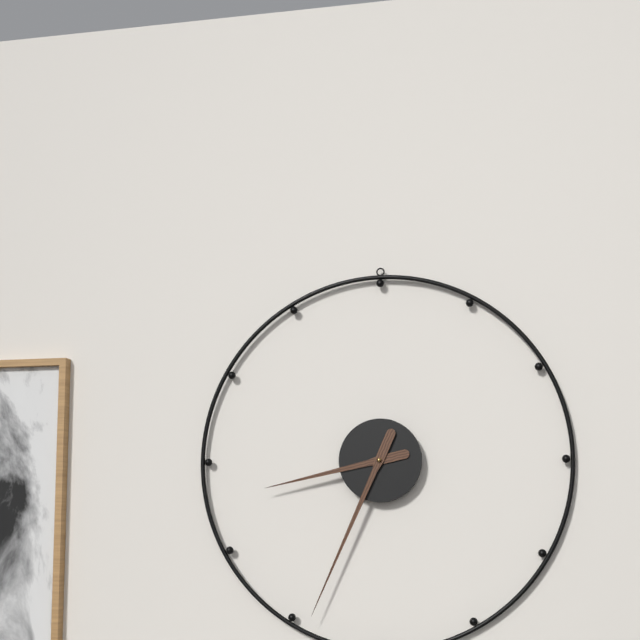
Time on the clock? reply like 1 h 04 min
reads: 8 h 34 min
